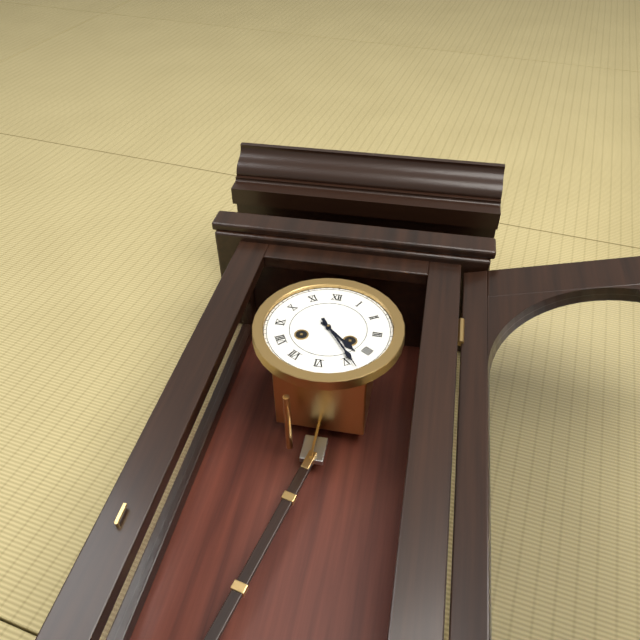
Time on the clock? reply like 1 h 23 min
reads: 4 h 24 min
